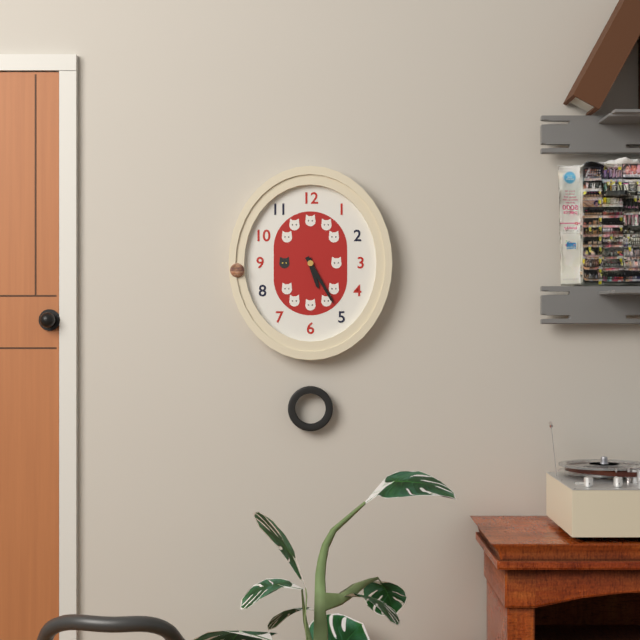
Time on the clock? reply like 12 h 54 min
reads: 5 h 25 min
